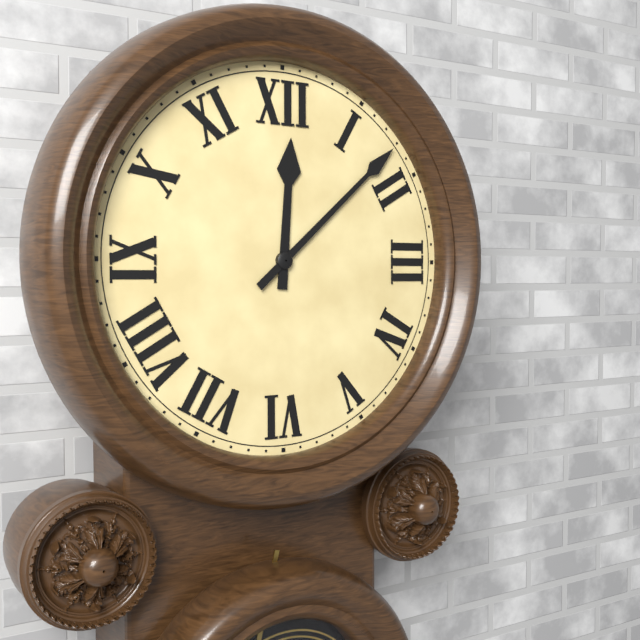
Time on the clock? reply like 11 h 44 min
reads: 12 h 08 min
